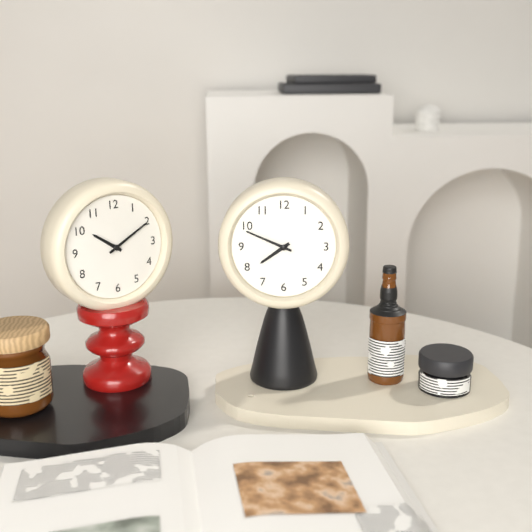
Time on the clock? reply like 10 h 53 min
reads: 7 h 49 min
